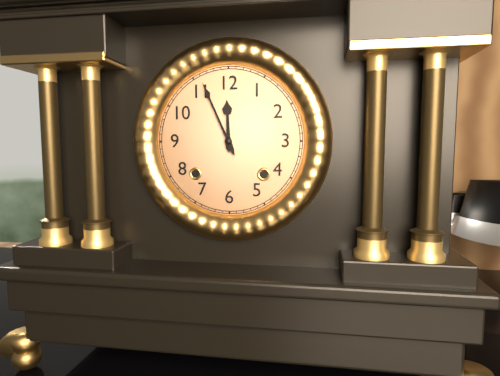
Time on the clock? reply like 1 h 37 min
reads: 11 h 56 min
